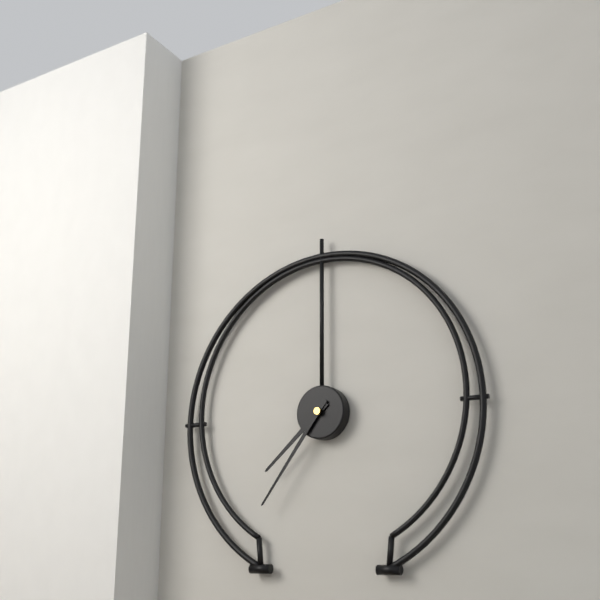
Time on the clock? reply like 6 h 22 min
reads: 7 h 36 min
